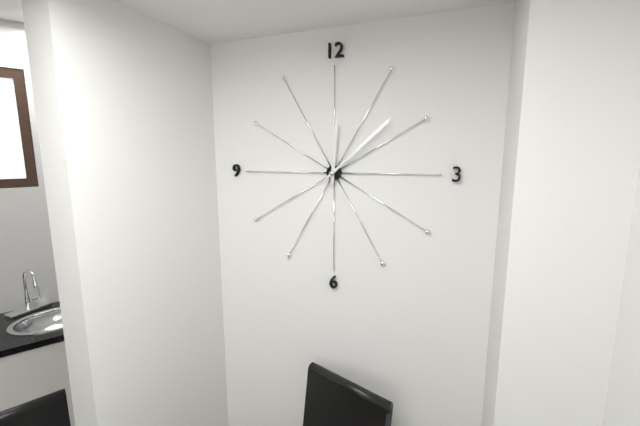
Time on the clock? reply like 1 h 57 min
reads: 12 h 08 min
